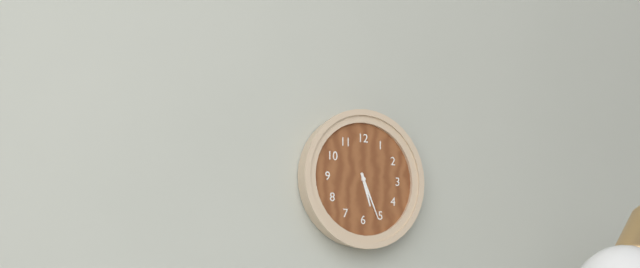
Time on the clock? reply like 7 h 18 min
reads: 5 h 26 min
